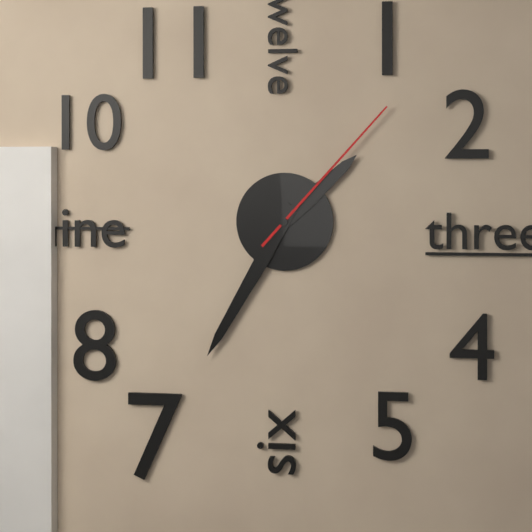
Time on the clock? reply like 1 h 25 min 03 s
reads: 1 h 35 min 07 s
